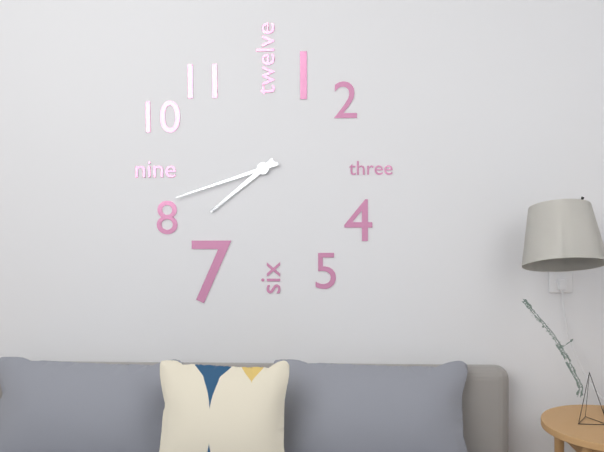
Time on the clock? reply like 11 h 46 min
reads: 7 h 42 min
